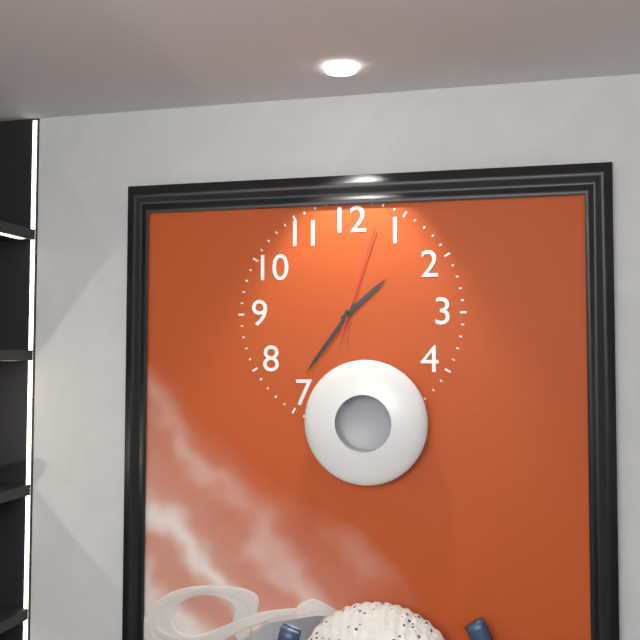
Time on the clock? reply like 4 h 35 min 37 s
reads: 1 h 36 min 03 s
